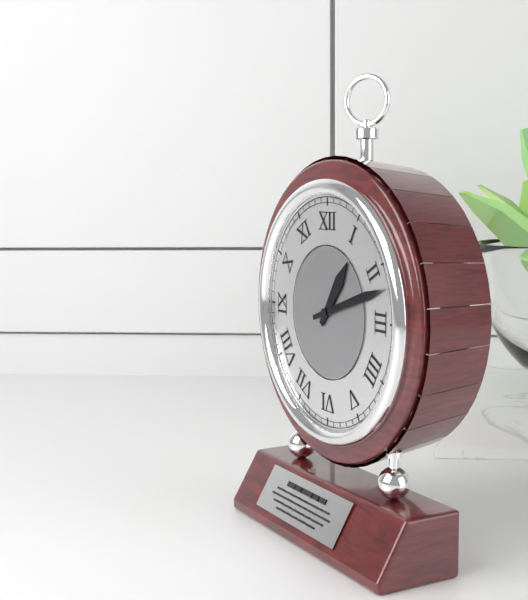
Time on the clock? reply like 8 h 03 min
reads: 1 h 12 min
